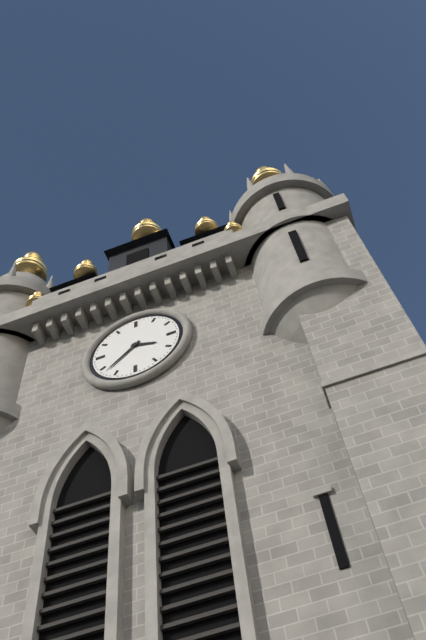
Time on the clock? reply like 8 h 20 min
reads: 3 h 38 min
